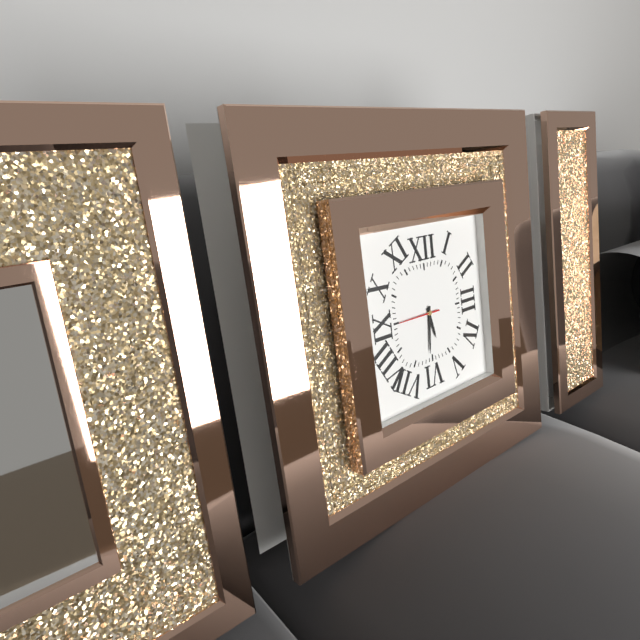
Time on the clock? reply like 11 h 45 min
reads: 5 h 31 min
